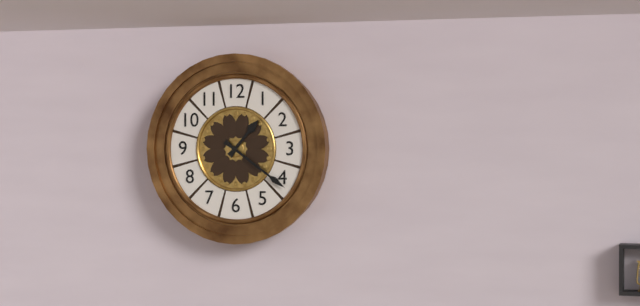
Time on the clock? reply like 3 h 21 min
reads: 1 h 21 min
